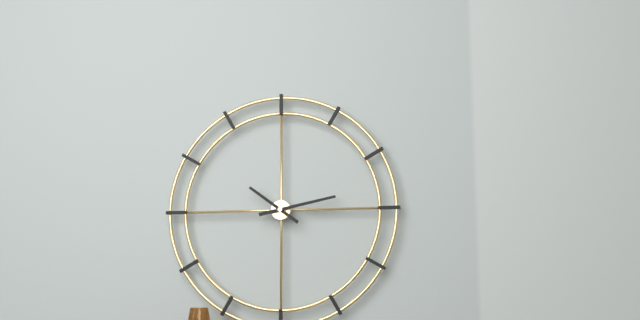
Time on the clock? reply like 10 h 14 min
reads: 10 h 13 min
